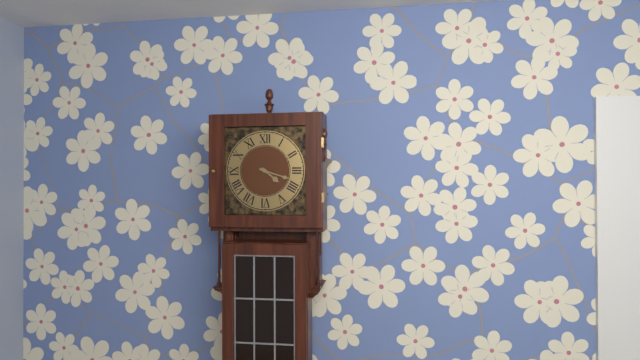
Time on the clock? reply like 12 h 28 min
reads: 4 h 18 min
